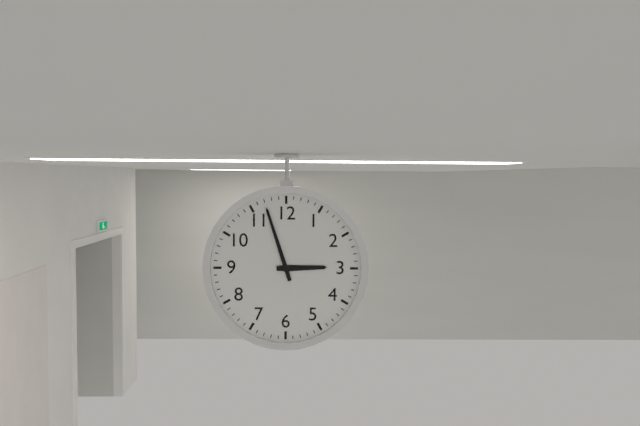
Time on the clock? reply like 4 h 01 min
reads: 2 h 57 min
